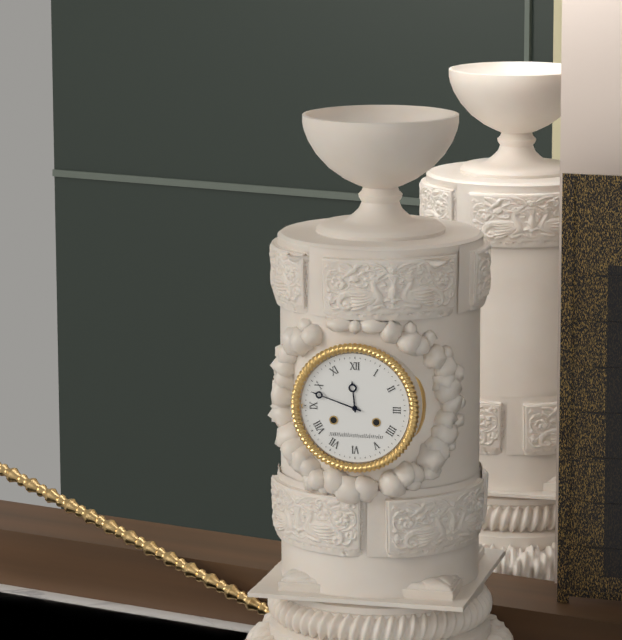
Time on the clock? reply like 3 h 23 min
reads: 11 h 48 min
